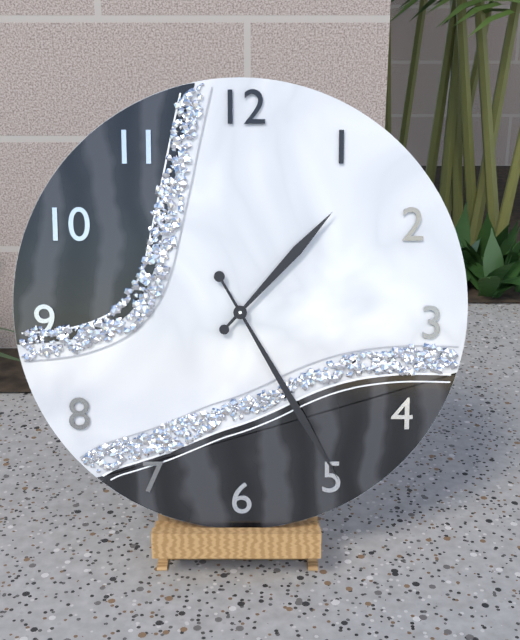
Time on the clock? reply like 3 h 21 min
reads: 1 h 25 min
